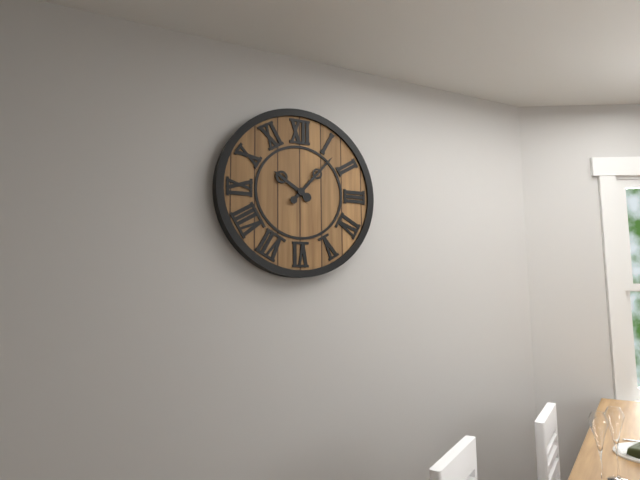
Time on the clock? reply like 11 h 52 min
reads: 10 h 07 min
